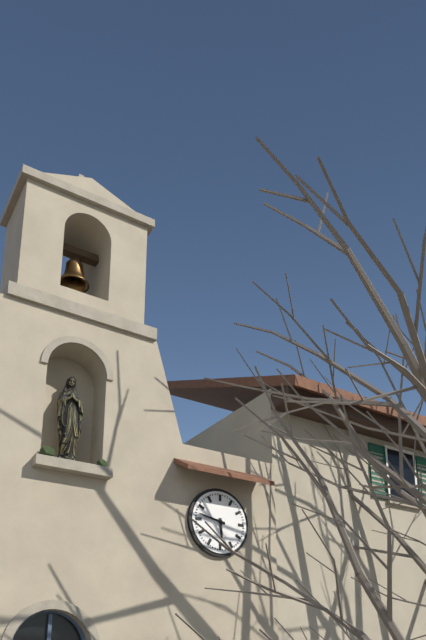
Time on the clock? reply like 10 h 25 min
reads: 5 h 47 min
